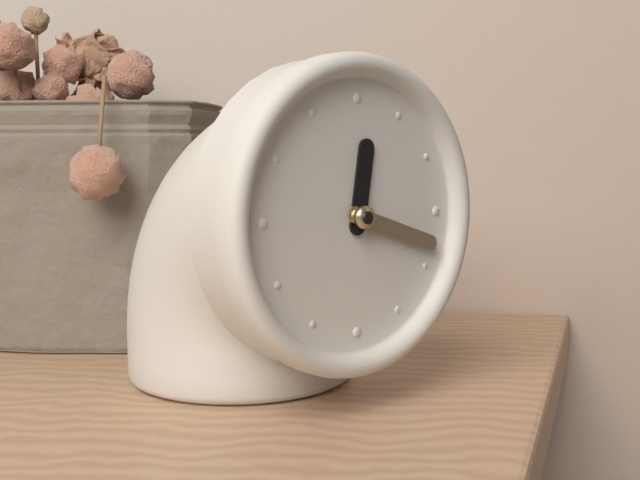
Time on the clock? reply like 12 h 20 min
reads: 12 h 18 min
